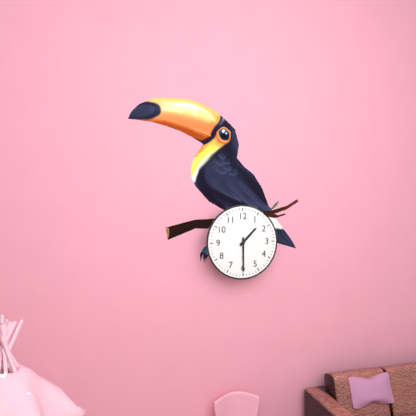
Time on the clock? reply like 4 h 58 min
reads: 1 h 30 min
